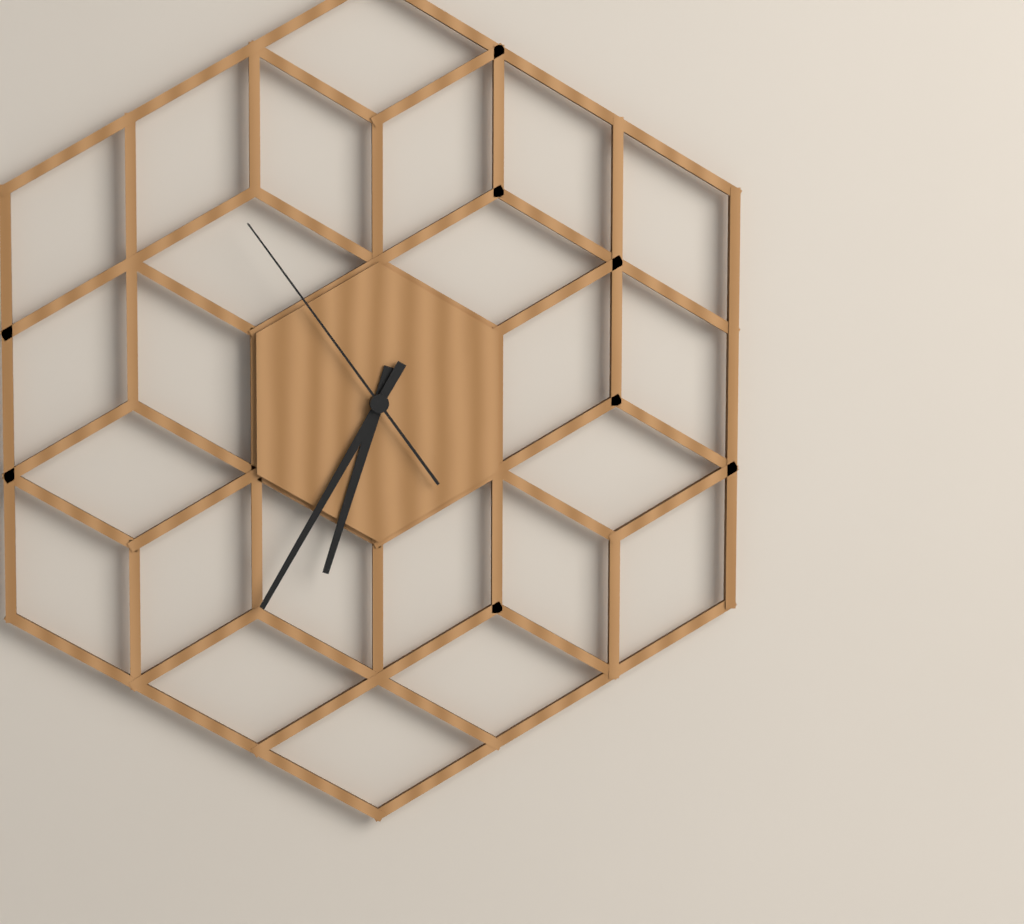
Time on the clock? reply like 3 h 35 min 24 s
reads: 6 h 35 min 54 s
